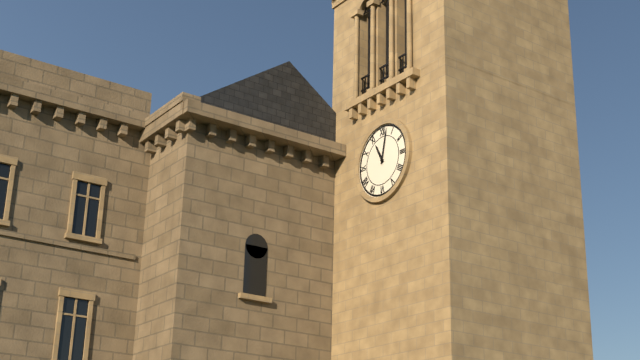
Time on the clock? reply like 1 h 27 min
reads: 11 h 02 min
